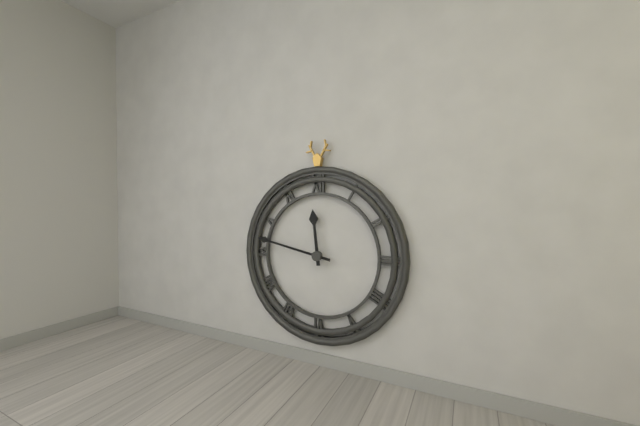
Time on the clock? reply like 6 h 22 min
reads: 11 h 47 min
